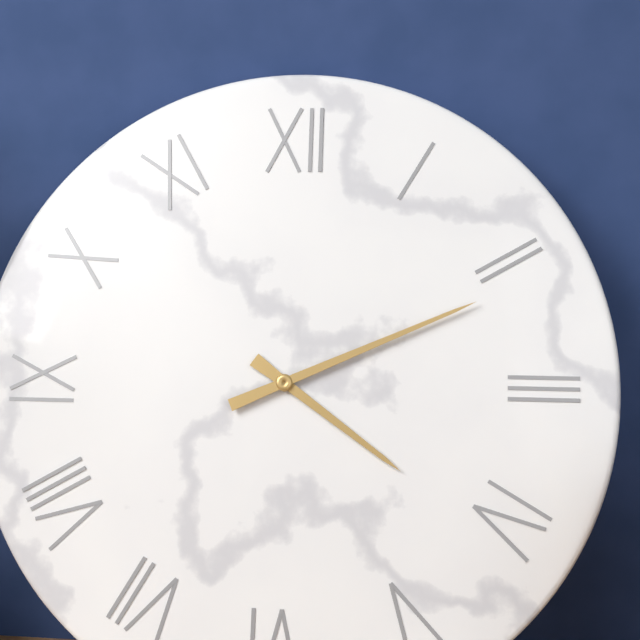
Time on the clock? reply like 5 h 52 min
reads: 4 h 11 min
